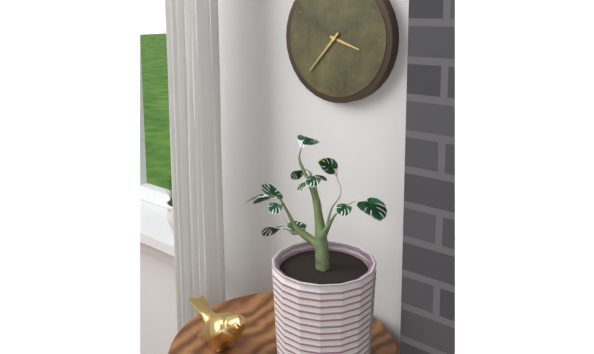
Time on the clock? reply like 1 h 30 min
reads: 3 h 37 min
